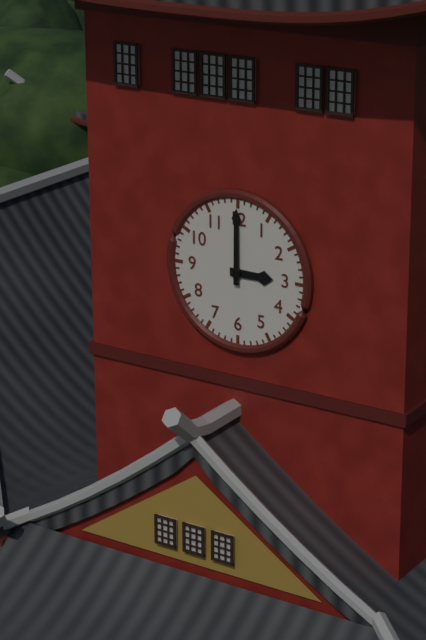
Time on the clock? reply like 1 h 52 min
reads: 3 h 00 min
